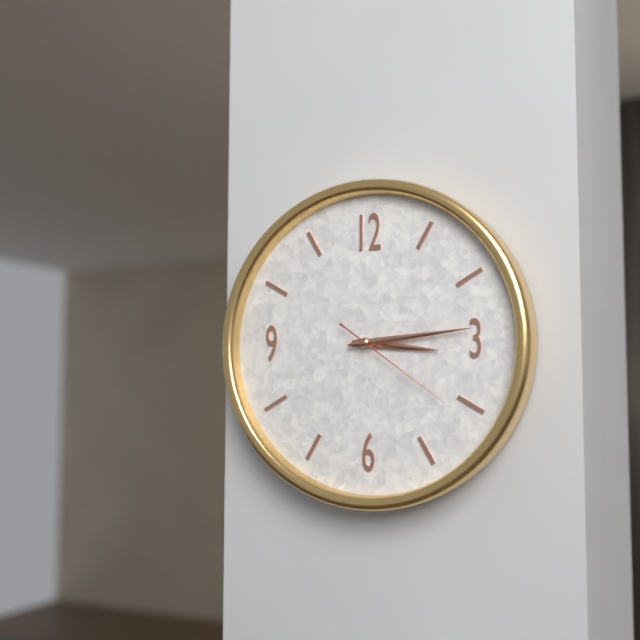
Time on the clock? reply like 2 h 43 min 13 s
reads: 3 h 14 min 21 s
